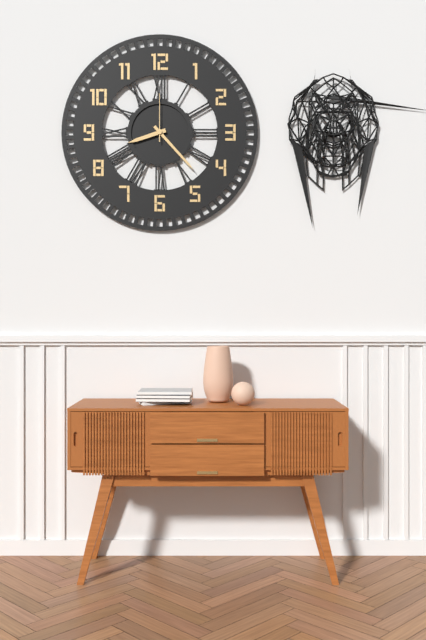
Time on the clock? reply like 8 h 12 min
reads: 8 h 23 min
